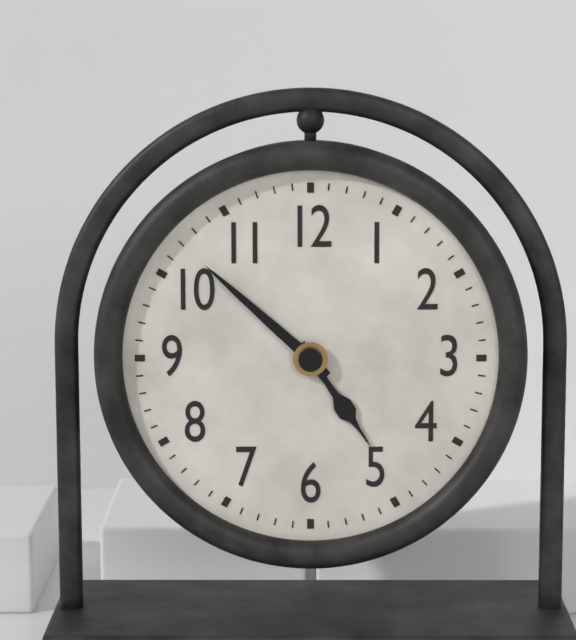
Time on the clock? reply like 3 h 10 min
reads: 4 h 52 min
